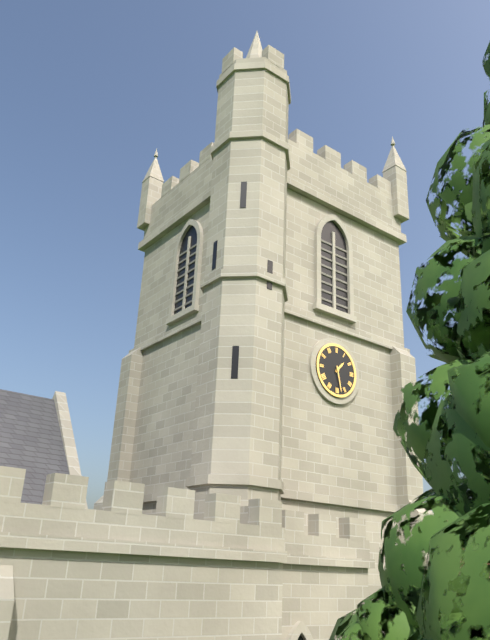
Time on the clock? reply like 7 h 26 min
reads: 1 h 28 min
